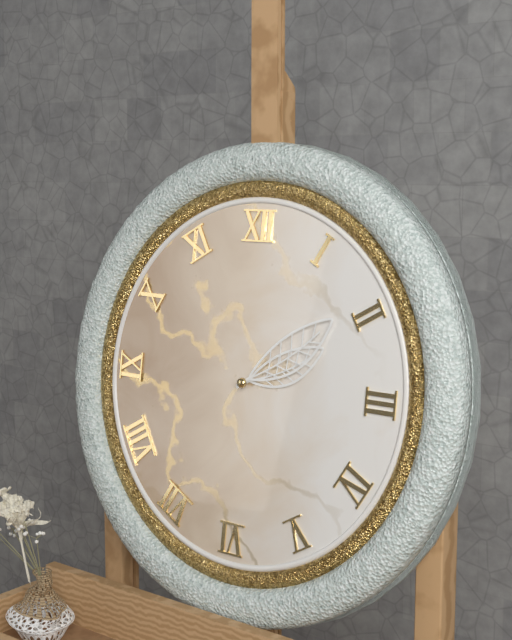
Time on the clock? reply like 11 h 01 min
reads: 2 h 09 min
